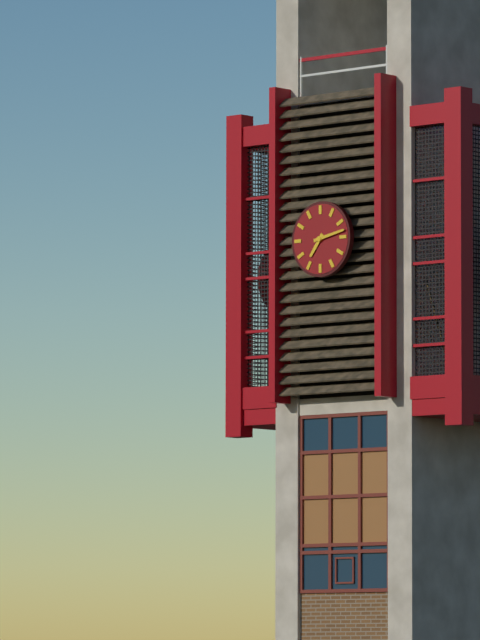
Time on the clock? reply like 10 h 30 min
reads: 7 h 13 min
